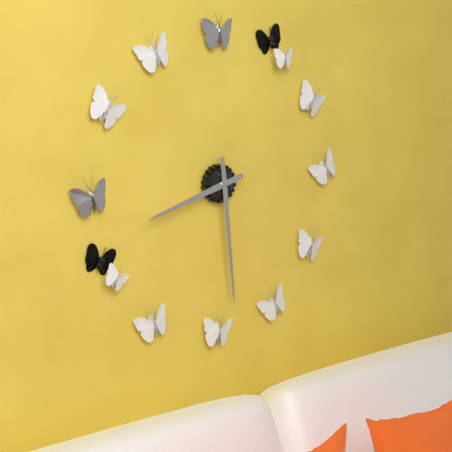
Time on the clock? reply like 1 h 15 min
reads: 8 h 29 min
